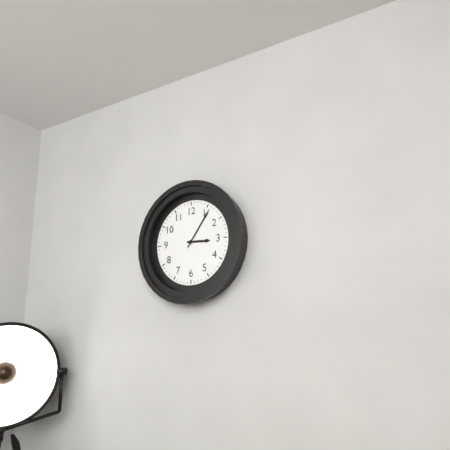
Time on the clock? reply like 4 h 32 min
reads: 3 h 06 min
